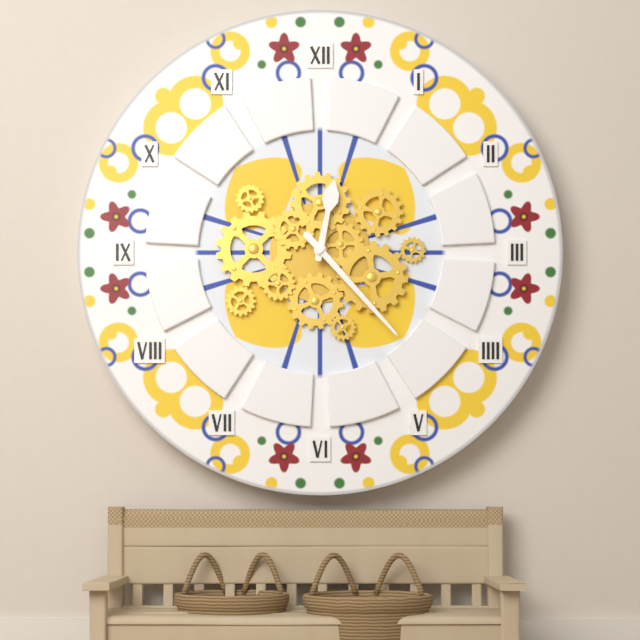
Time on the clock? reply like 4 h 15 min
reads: 12 h 23 min
